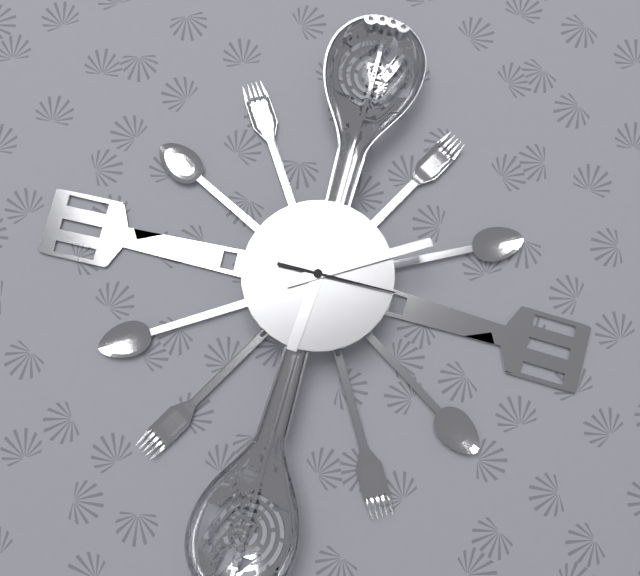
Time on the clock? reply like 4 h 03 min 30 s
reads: 6 h 10 min 15 s
